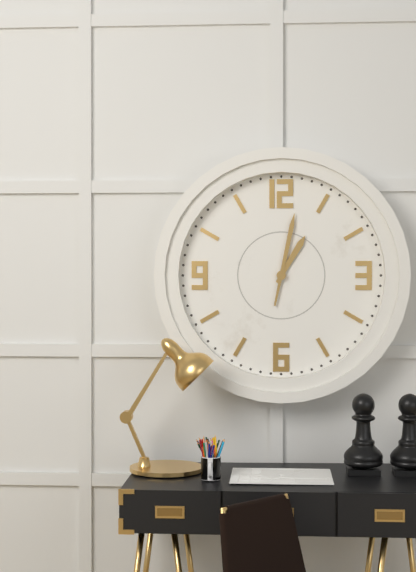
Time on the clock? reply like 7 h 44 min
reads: 1 h 02 min
